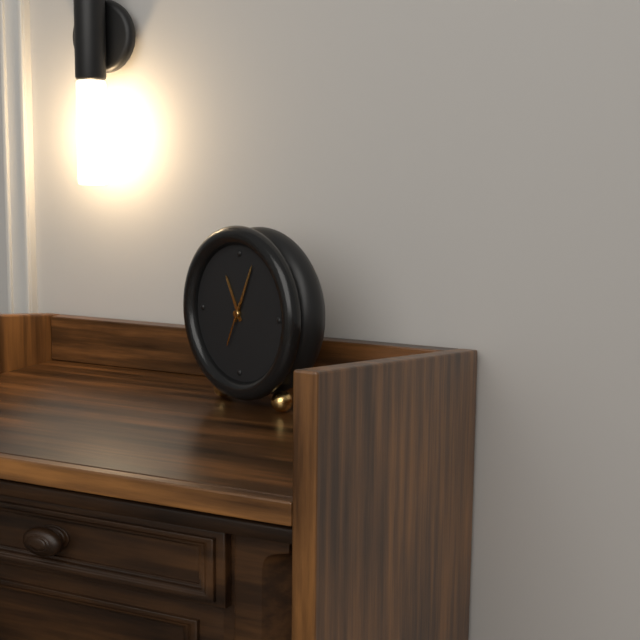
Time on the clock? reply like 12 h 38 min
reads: 11 h 04 min
